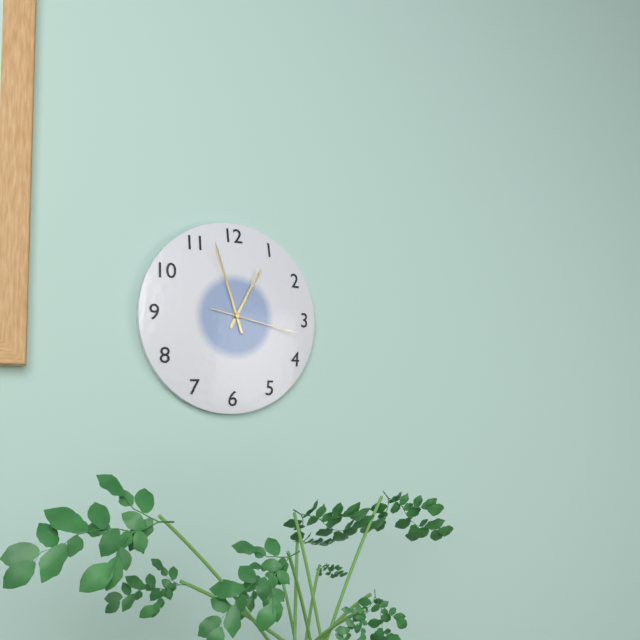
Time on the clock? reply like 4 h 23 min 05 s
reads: 12 h 57 min 17 s
